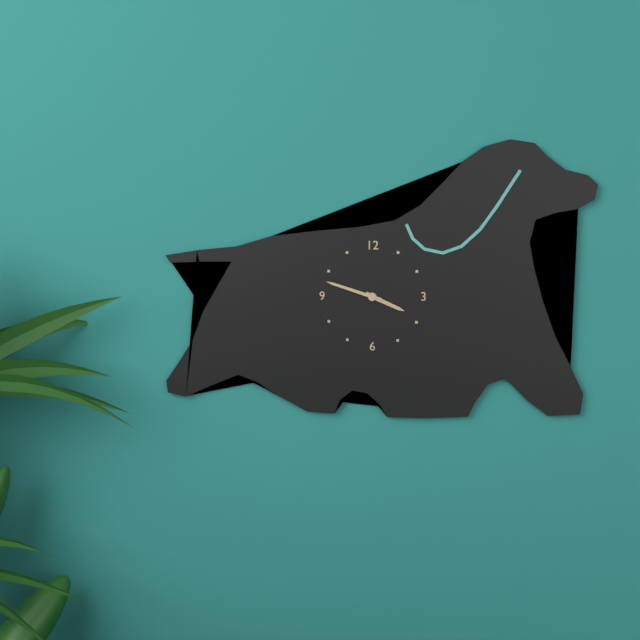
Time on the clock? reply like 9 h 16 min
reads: 3 h 48 min
